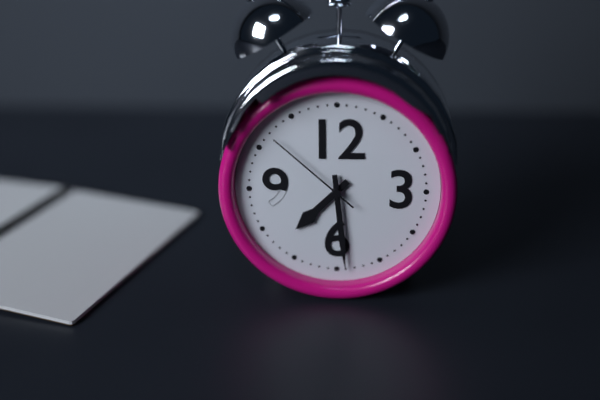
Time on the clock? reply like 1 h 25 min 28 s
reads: 7 h 29 min 52 s
